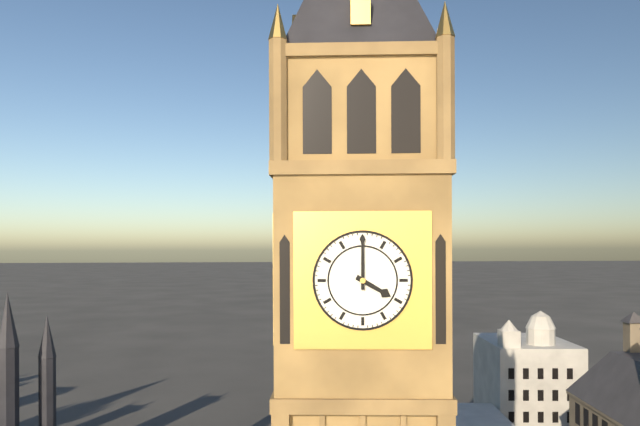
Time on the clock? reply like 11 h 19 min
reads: 4 h 00 min
